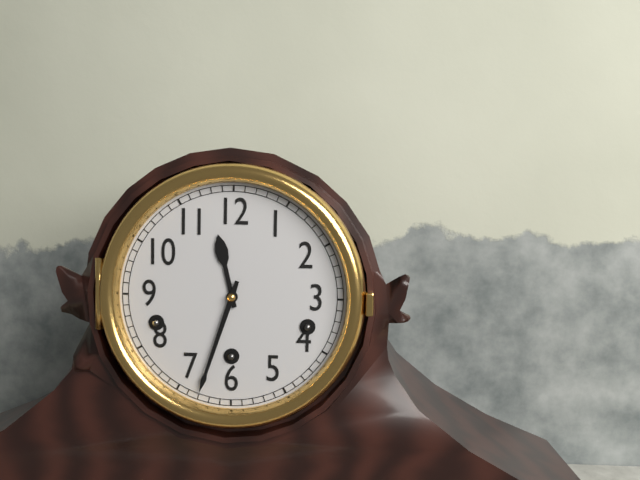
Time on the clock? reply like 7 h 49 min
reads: 11 h 33 min
